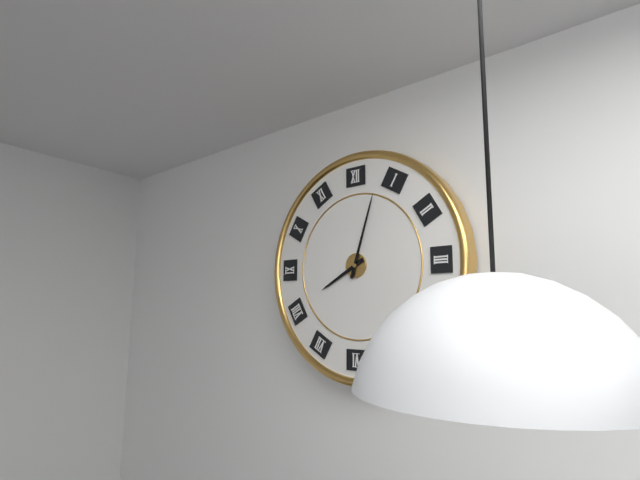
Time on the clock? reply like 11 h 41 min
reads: 8 h 03 min
